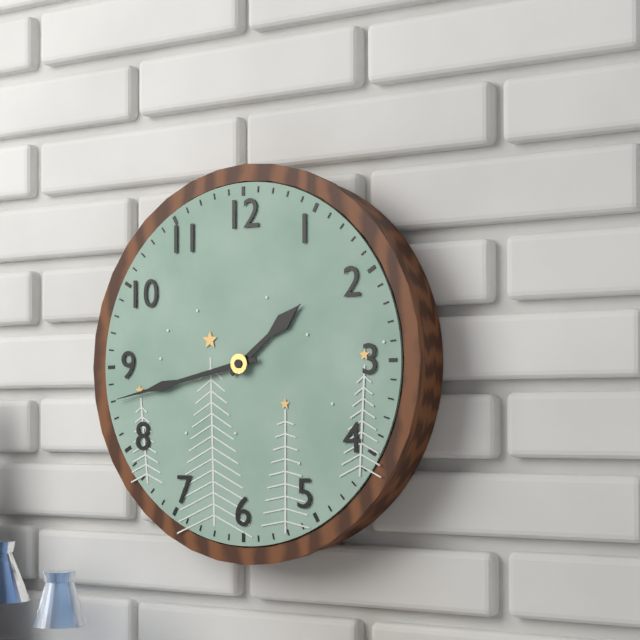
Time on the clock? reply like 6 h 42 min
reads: 1 h 43 min
